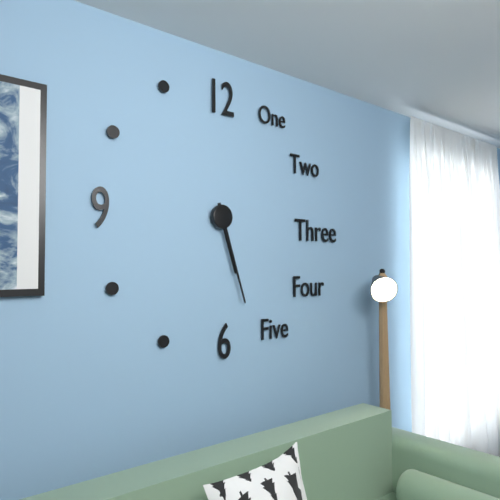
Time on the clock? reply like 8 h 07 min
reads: 5 h 27 min
